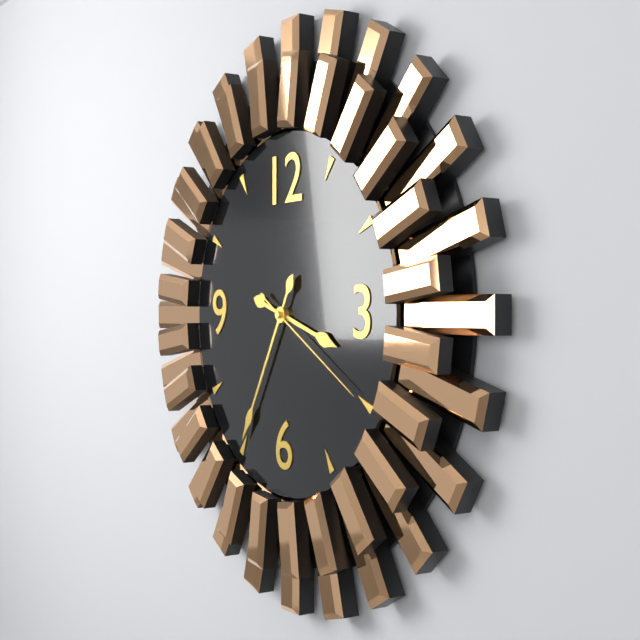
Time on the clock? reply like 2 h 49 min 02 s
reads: 3 h 35 min 20 s
